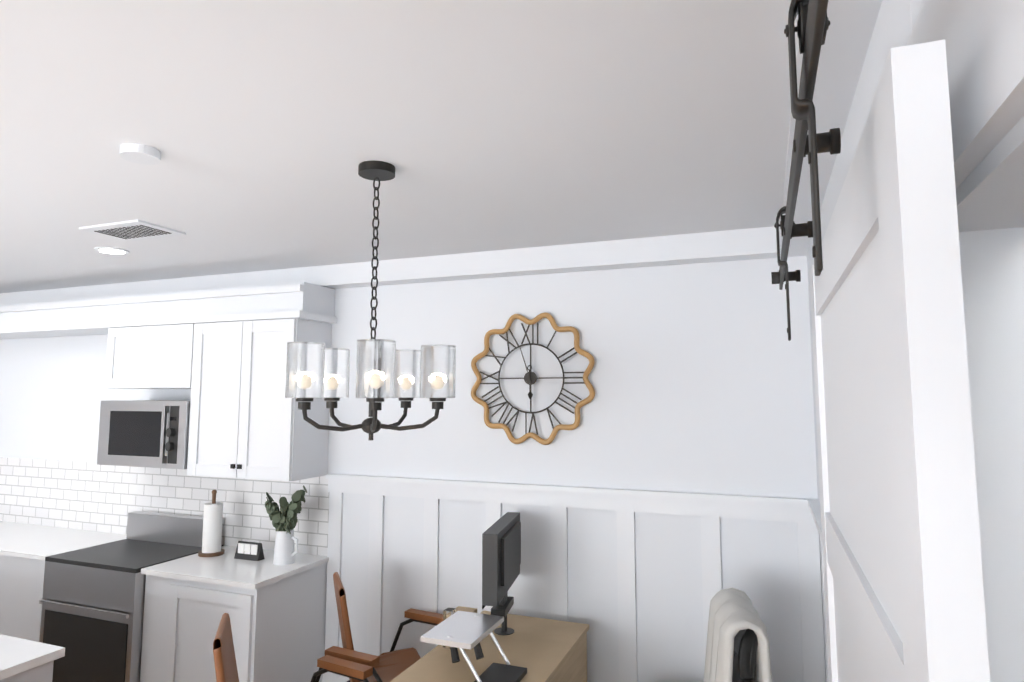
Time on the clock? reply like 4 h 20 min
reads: 5 h 57 min
